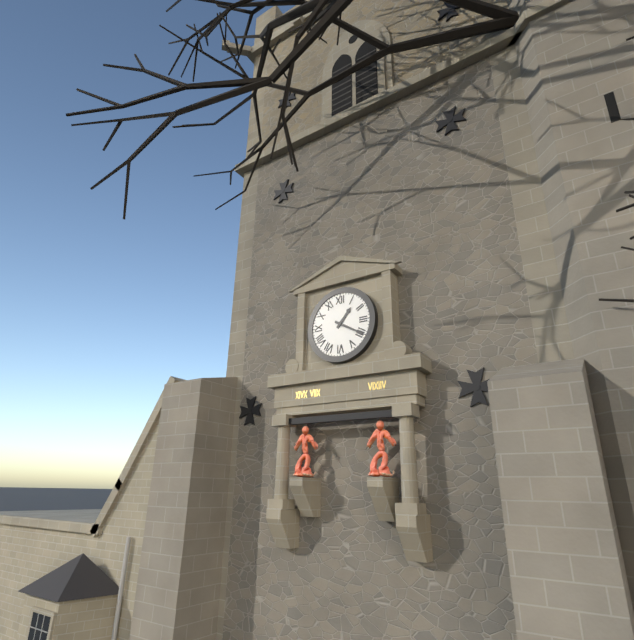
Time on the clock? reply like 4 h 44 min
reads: 1 h 20 min
